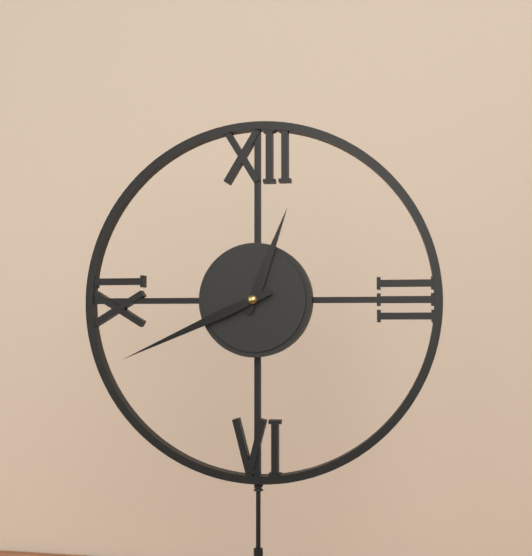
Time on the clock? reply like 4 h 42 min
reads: 12 h 41 min
